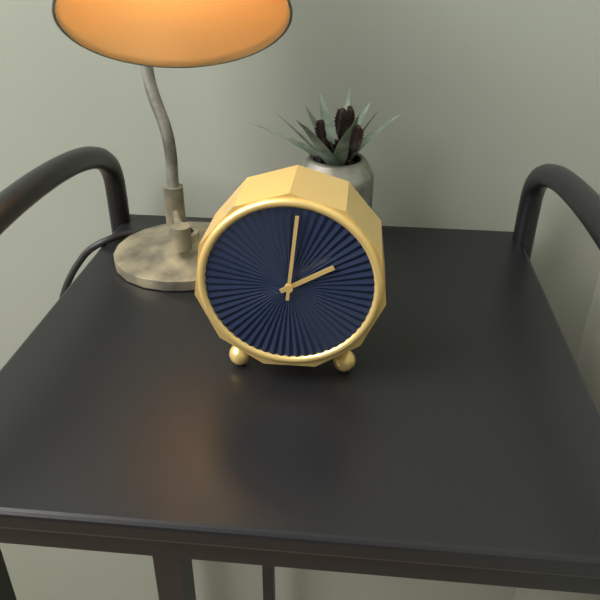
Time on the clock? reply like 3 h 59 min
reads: 2 h 01 min
